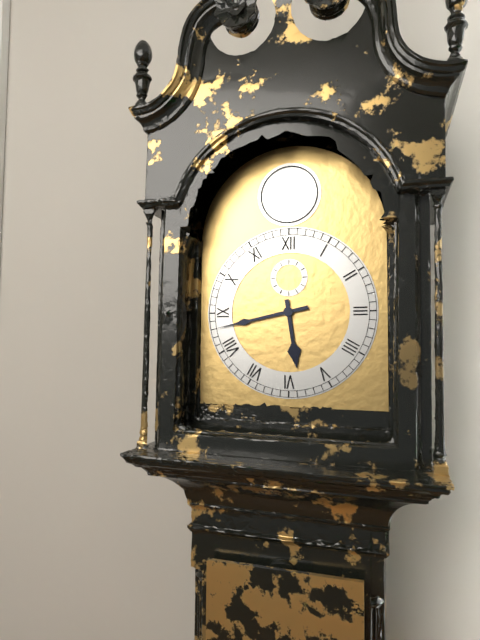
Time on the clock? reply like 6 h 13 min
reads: 5 h 43 min
